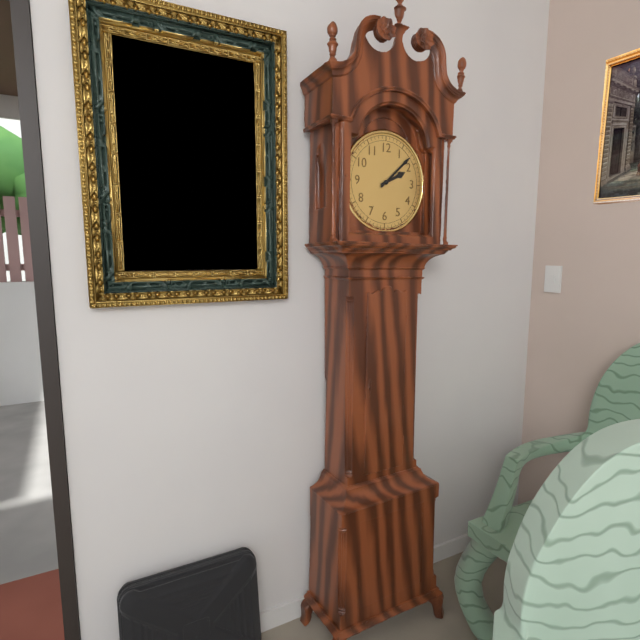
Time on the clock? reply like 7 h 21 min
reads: 2 h 08 min
